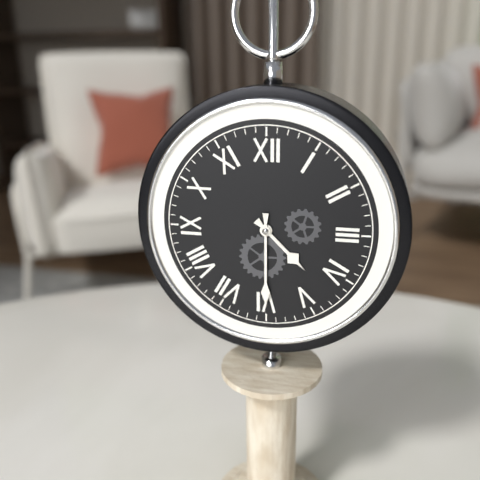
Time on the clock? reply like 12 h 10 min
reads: 4 h 30 min
